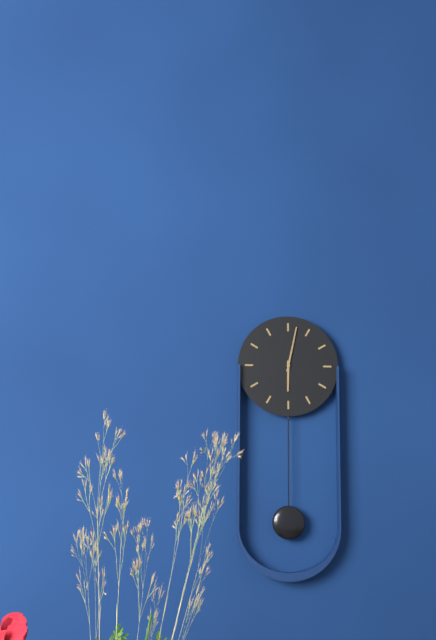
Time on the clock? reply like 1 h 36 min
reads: 6 h 02 min
